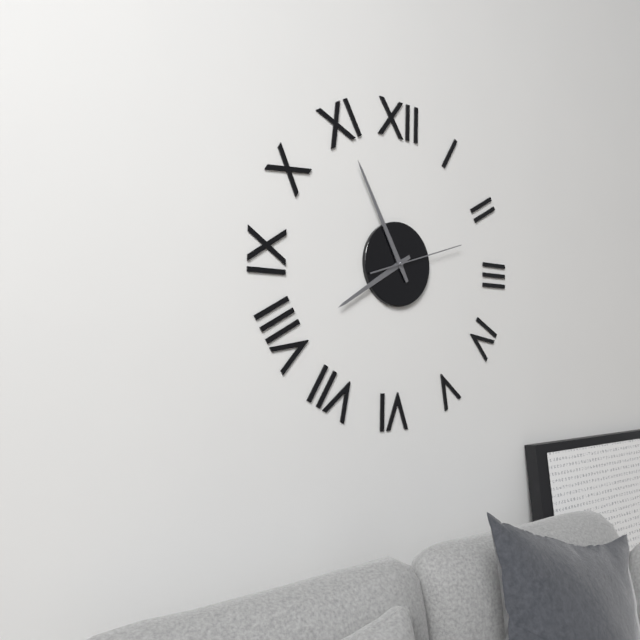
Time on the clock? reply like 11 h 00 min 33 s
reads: 7 h 55 min 12 s
